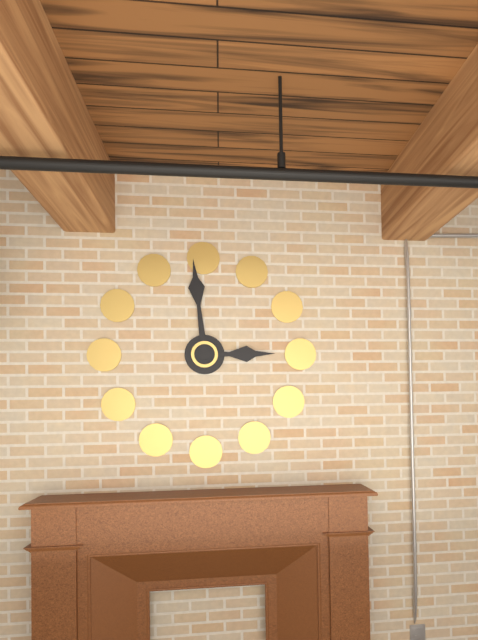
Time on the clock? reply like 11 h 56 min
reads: 2 h 59 min
